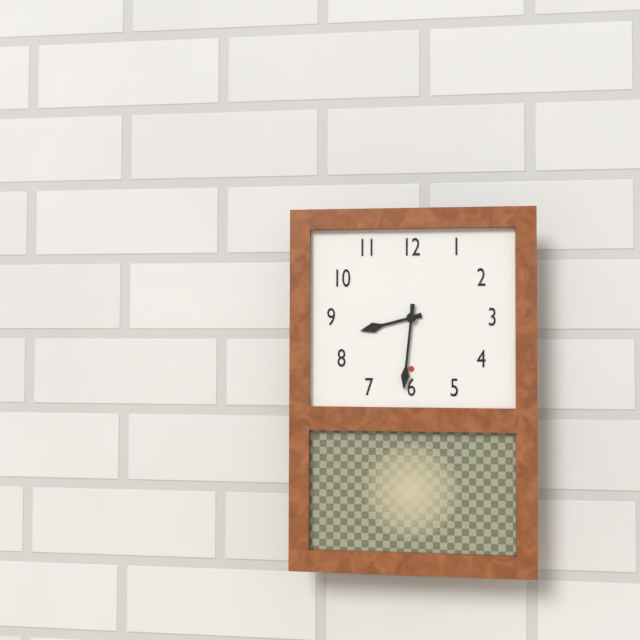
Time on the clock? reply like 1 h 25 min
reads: 8 h 31 min
